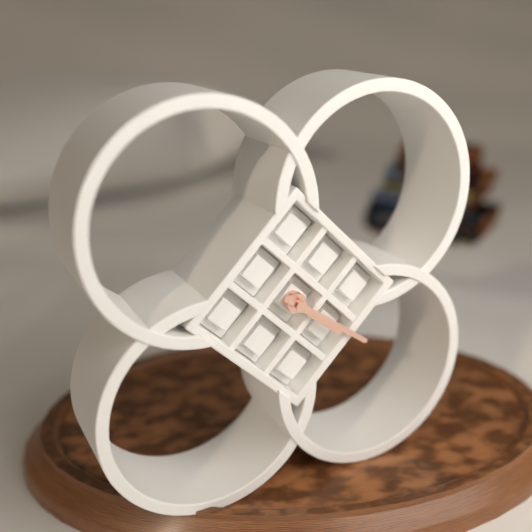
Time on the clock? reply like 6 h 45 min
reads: 4 h 21 min
